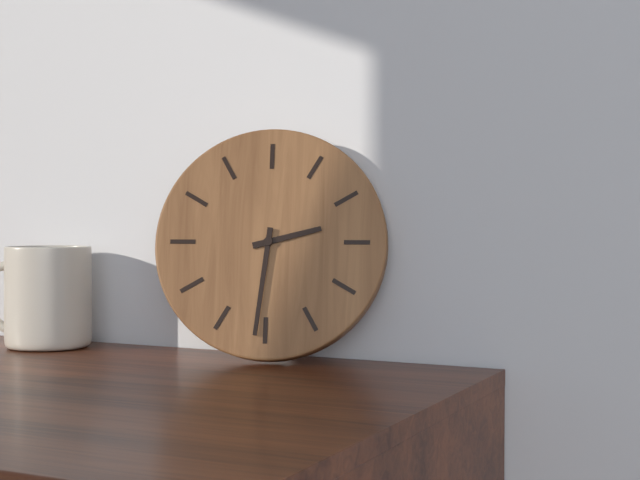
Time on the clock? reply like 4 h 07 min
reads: 2 h 31 min
